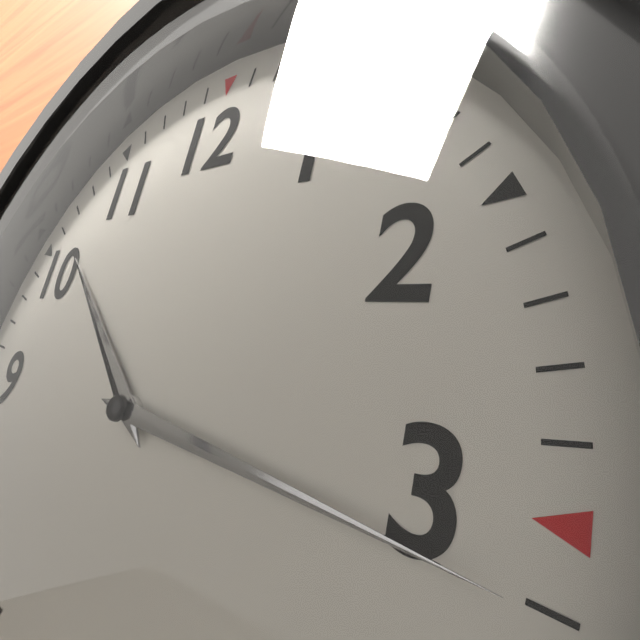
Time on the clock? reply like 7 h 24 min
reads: 10 h 16 min
